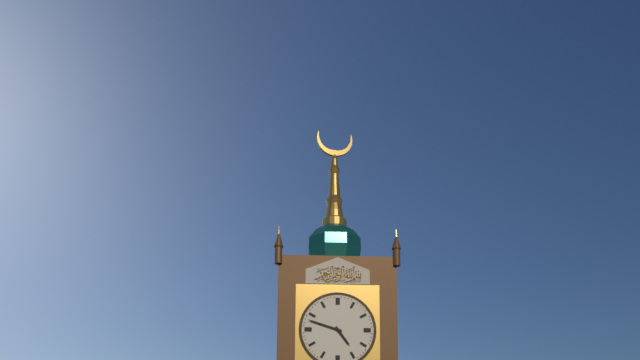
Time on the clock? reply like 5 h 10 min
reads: 4 h 48 min
